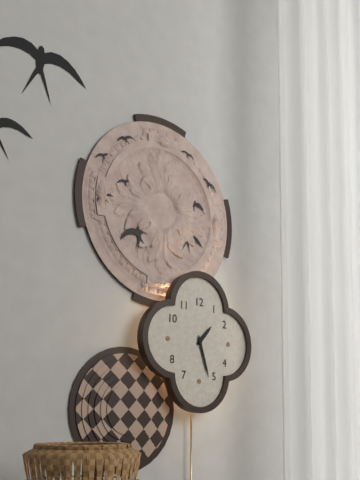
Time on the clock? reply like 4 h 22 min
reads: 1 h 27 min
